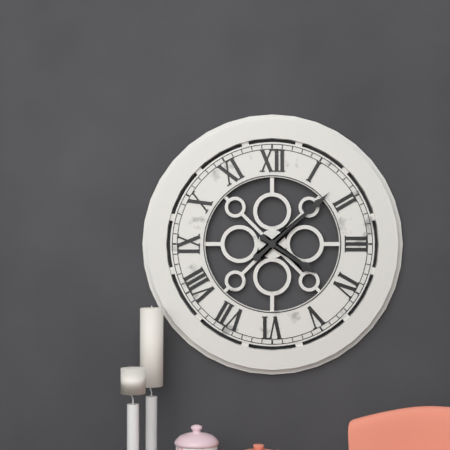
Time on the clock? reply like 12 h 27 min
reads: 4 h 08 min
